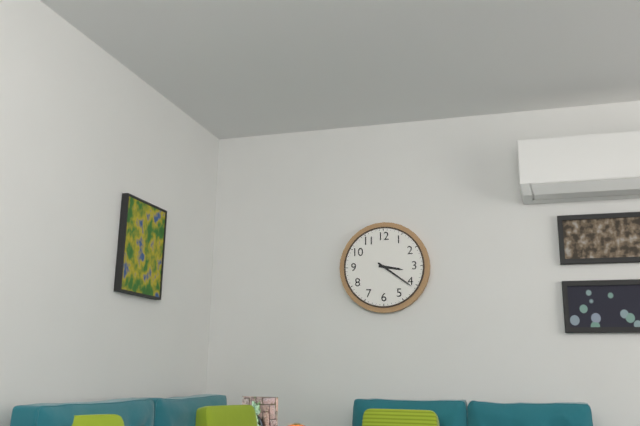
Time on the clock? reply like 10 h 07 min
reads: 3 h 21 min
